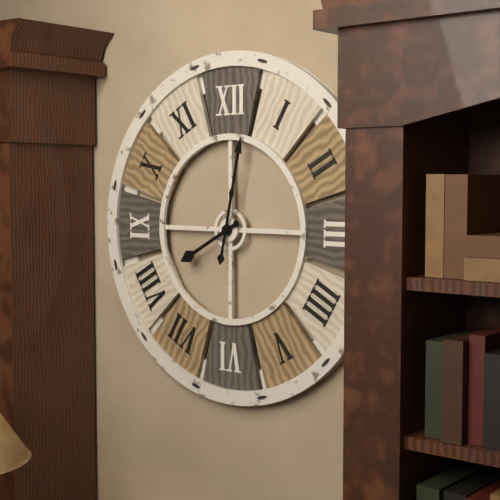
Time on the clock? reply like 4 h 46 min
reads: 8 h 02 min
